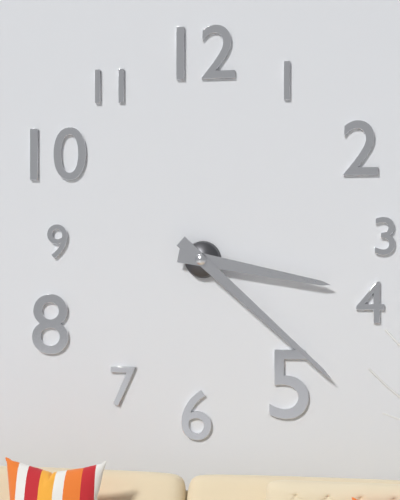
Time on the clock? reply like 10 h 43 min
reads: 3 h 22 min
